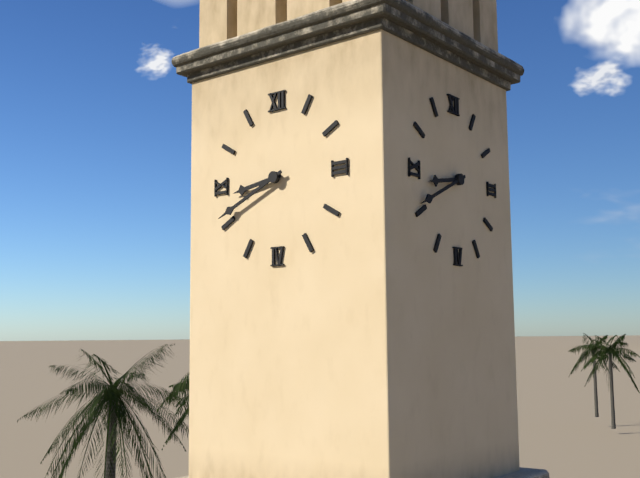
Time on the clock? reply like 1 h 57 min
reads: 8 h 41 min
